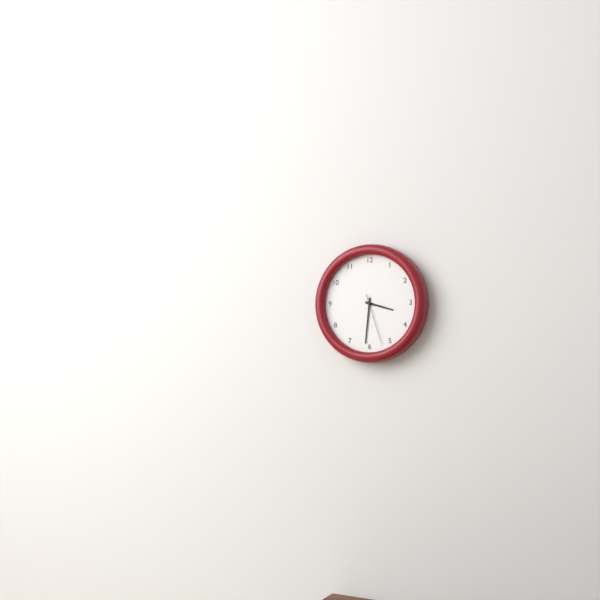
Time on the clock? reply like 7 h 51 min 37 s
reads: 3 h 31 min 27 s
